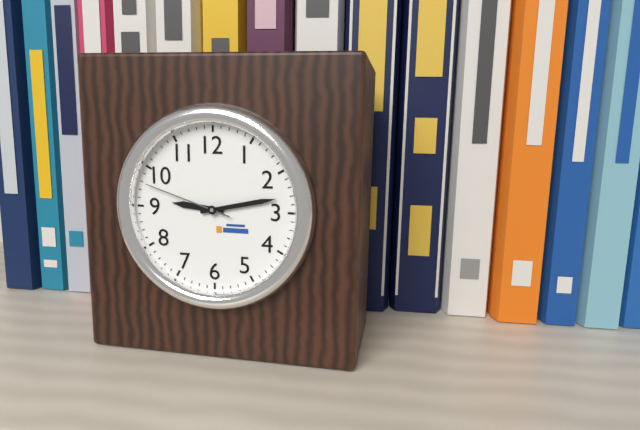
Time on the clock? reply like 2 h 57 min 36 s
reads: 9 h 13 min 48 s
